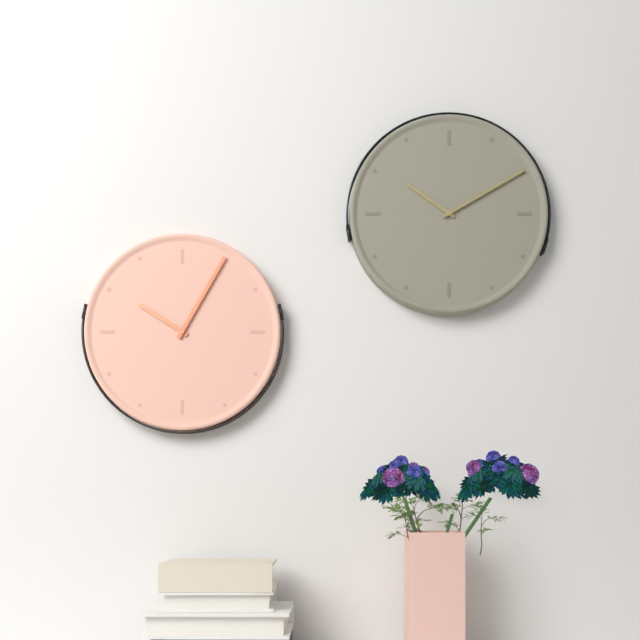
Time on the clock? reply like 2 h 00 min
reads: 10 h 05 min
